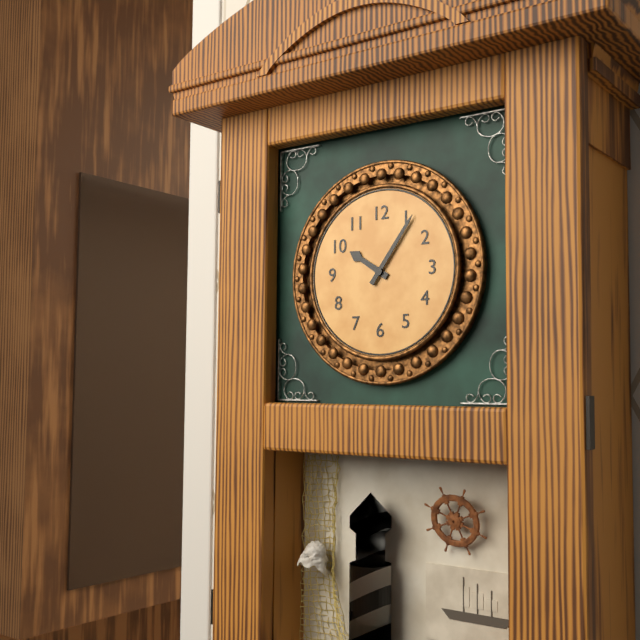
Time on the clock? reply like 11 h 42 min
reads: 10 h 06 min
